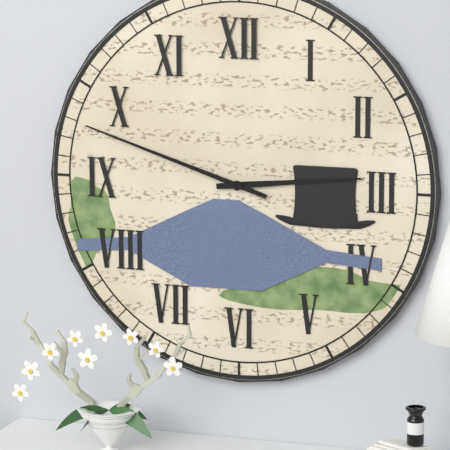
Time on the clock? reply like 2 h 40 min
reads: 2 h 48 min
